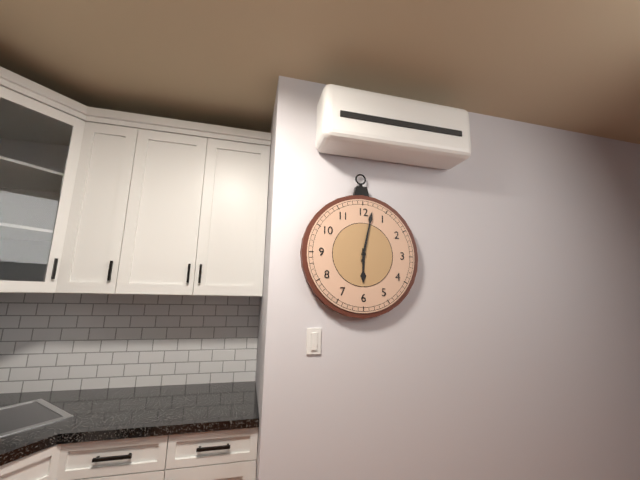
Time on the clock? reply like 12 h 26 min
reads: 6 h 02 min
